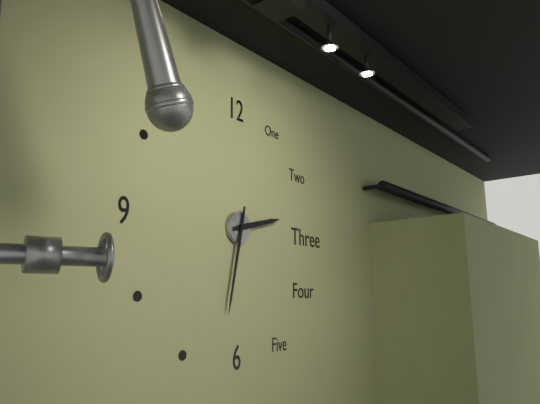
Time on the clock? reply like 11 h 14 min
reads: 2 h 32 min
